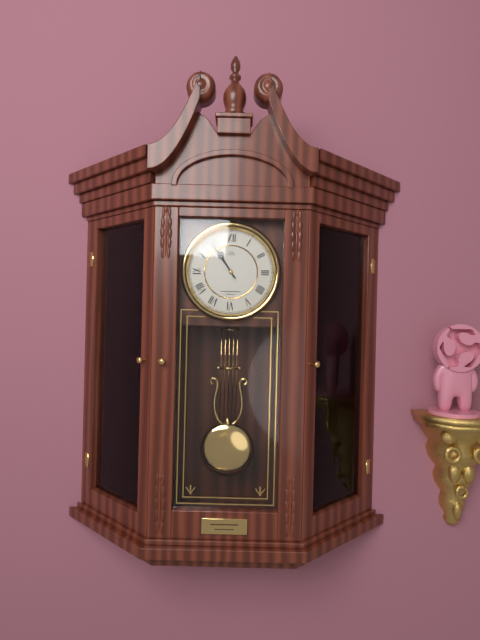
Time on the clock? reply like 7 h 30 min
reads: 10 h 54 min
